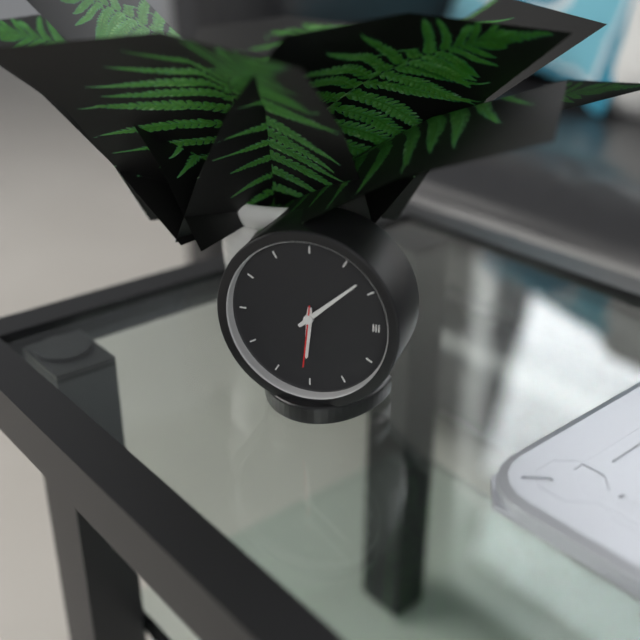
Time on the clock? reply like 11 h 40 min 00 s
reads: 6 h 08 min 31 s
